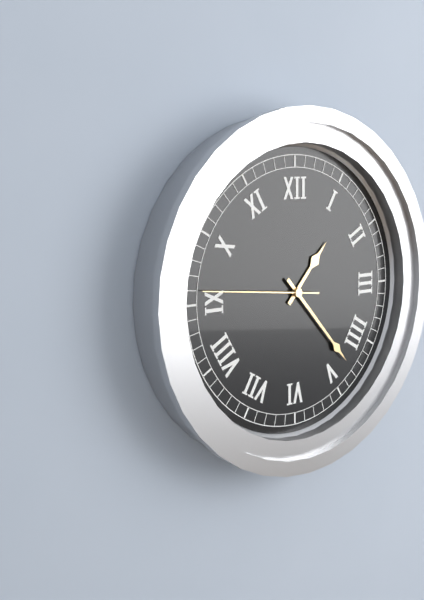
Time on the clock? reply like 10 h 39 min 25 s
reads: 1 h 23 min 46 s
